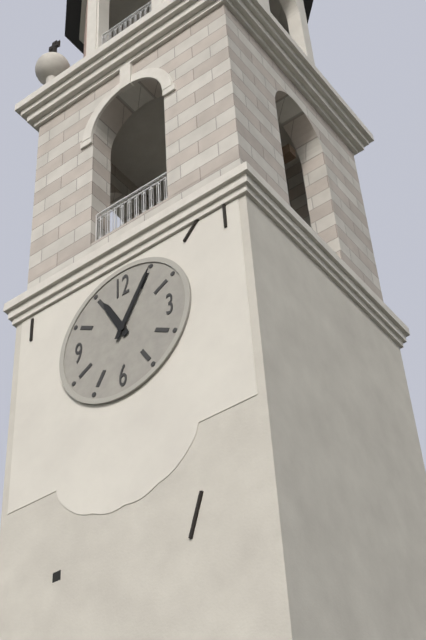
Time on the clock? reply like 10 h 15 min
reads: 11 h 05 min
